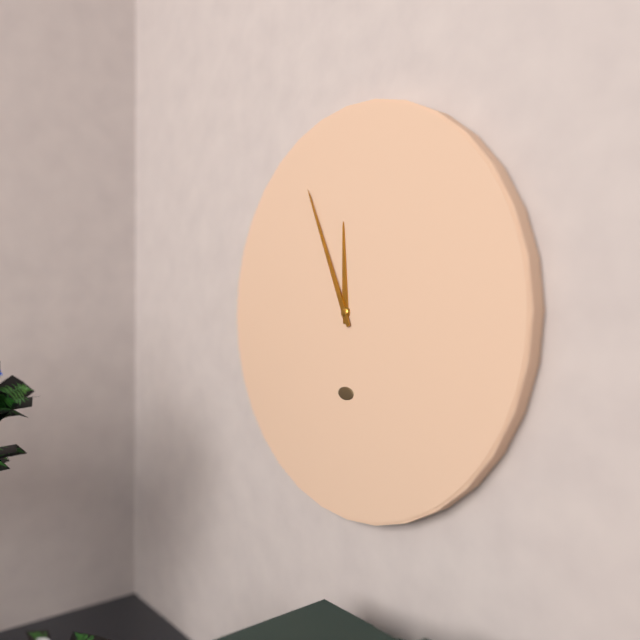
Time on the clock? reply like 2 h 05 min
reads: 11 h 56 min
